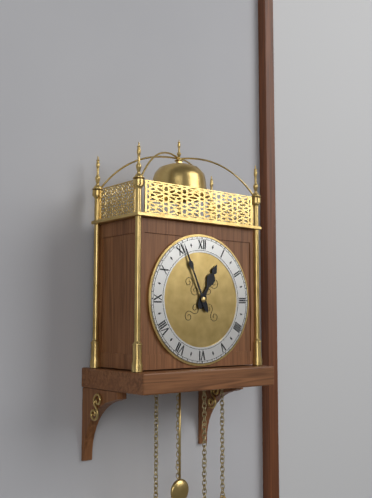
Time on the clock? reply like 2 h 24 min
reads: 12 h 56 min
